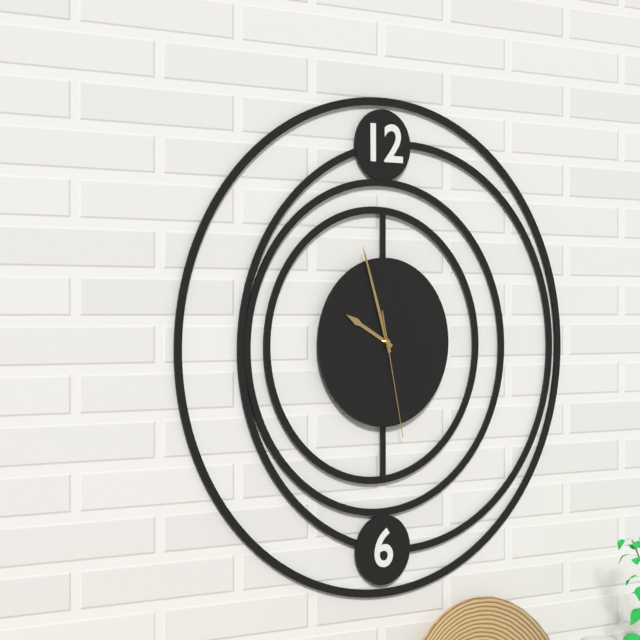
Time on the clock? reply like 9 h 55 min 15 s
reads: 9 h 57 min 28 s
